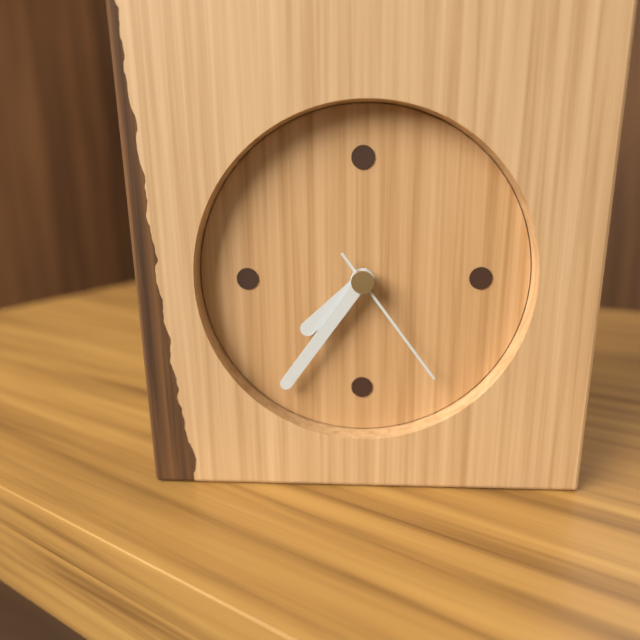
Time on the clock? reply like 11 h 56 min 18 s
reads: 7 h 36 min 24 s
